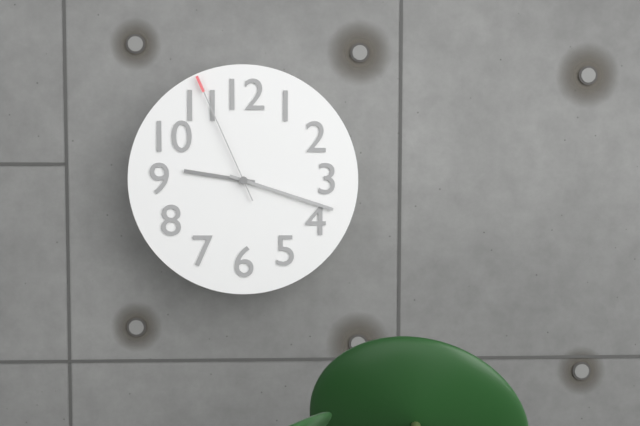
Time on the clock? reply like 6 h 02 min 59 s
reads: 9 h 18 min 56 s
